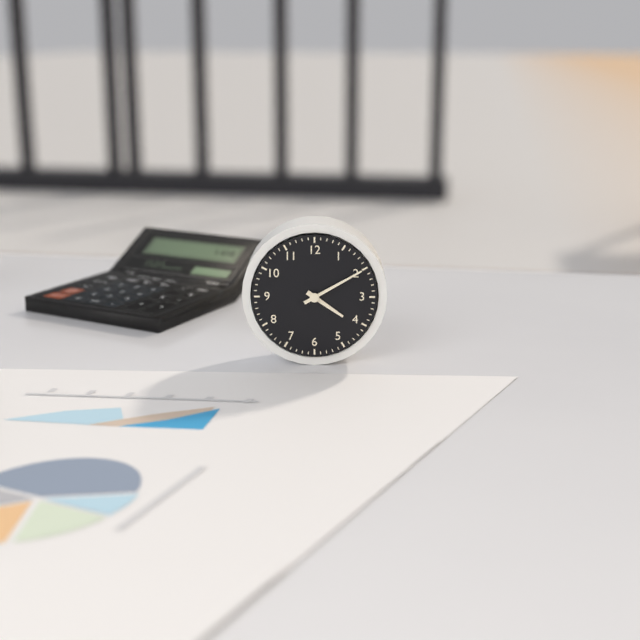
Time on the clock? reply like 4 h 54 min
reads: 4 h 10 min
